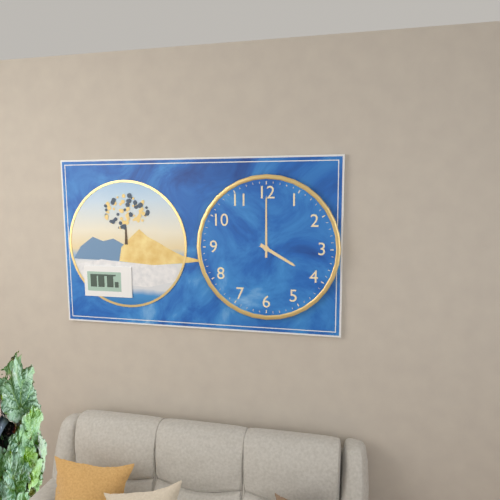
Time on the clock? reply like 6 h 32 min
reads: 4 h 00 min
